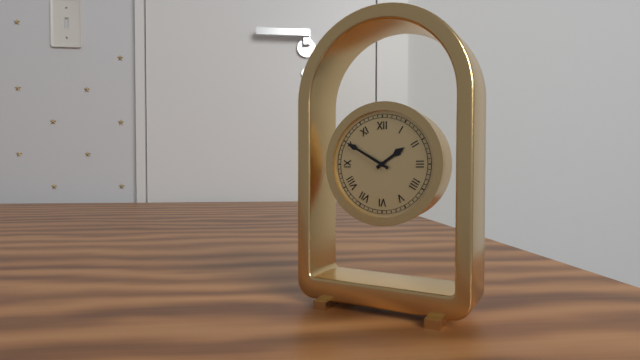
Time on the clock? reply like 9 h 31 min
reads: 1 h 50 min
